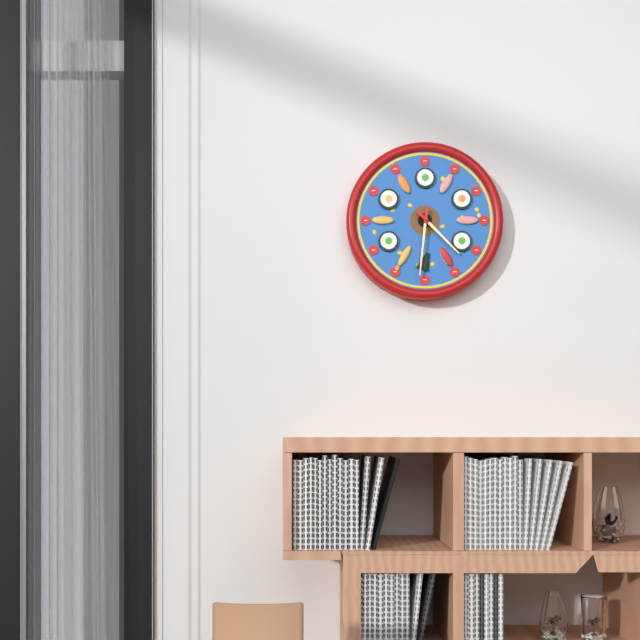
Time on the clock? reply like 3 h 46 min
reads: 4 h 31 min
